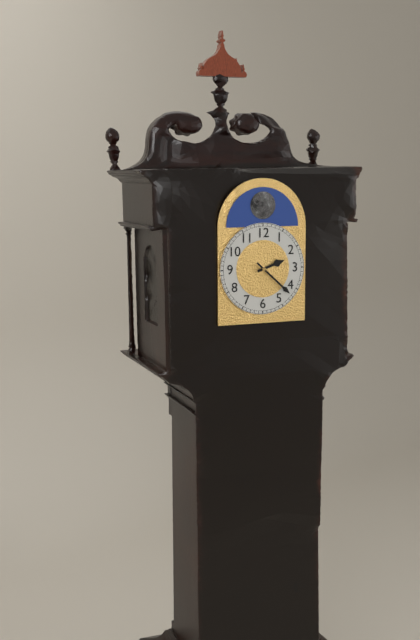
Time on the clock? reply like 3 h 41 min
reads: 2 h 22 min
